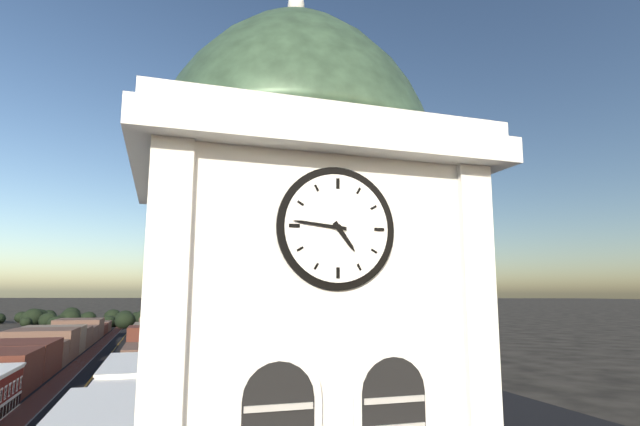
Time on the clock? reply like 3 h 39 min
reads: 4 h 46 min
